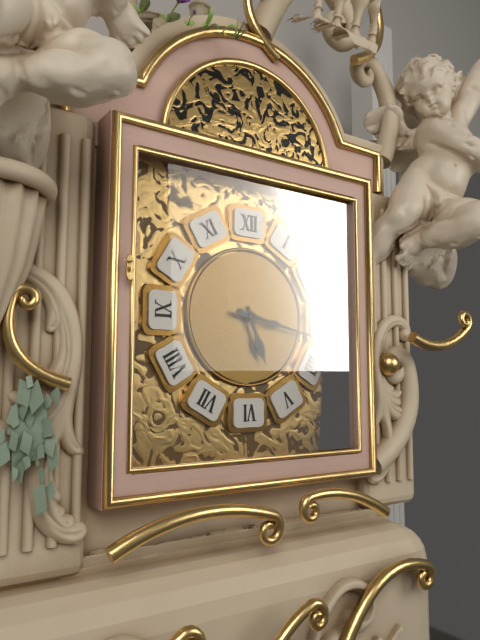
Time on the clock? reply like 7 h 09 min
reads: 5 h 17 min
